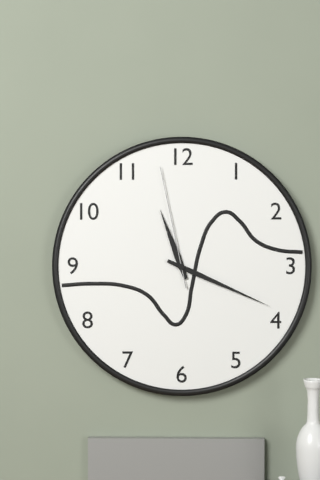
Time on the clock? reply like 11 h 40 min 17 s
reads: 11 h 19 min 58 s
